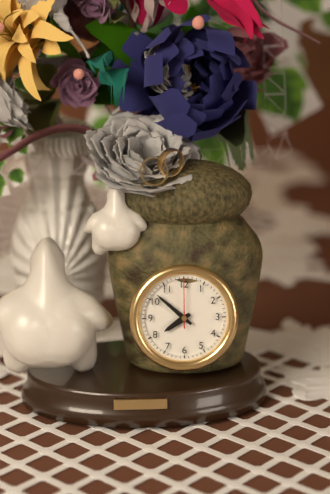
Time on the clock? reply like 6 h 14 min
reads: 7 h 52 min
